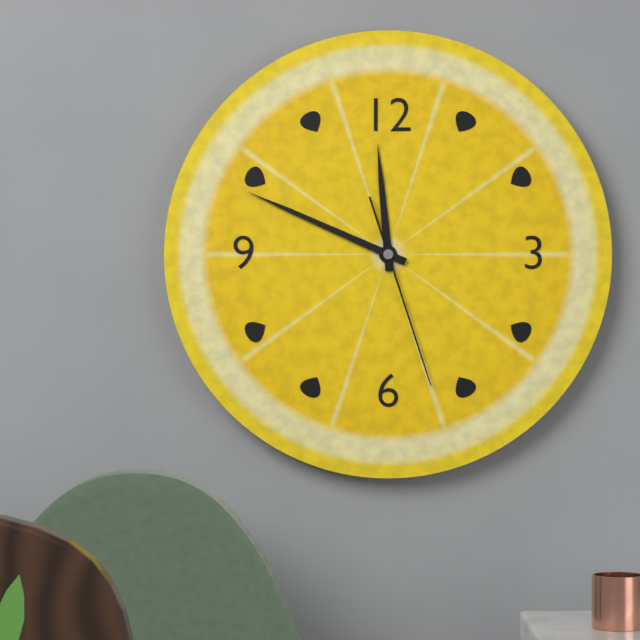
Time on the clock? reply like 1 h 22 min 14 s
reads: 11 h 49 min 27 s
